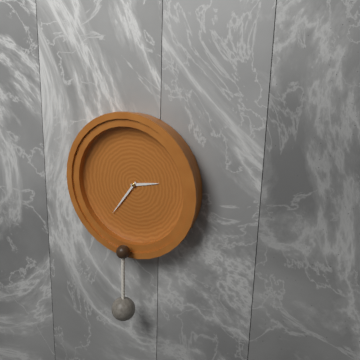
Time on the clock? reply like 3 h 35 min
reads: 2 h 36 min
